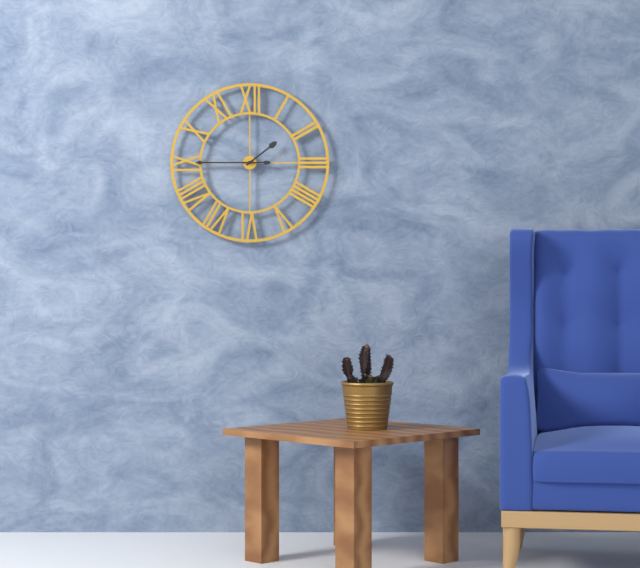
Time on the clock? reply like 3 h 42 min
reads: 1 h 45 min
